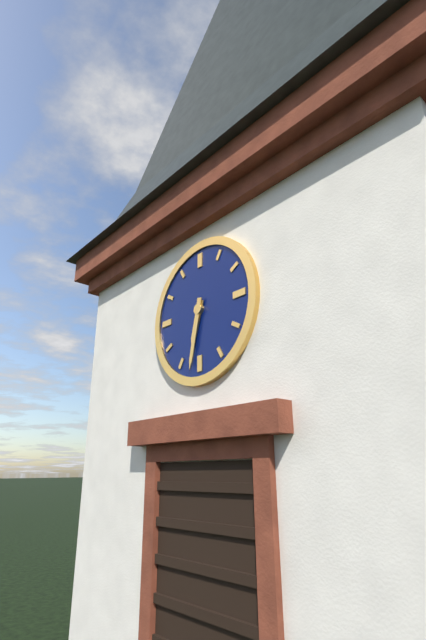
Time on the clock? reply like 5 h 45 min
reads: 6 h 32 min
